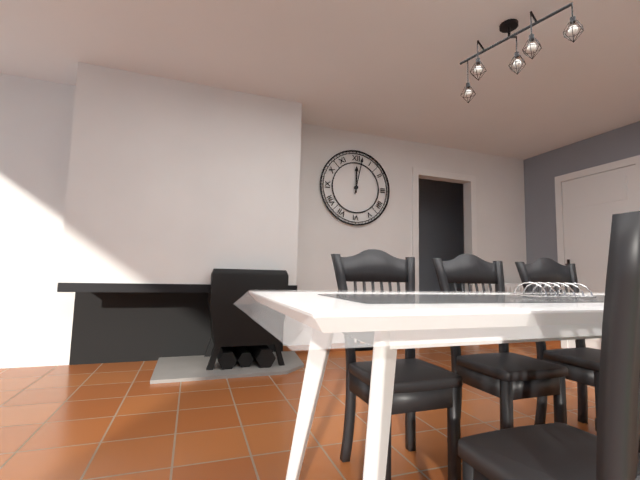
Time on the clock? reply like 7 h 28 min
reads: 12 h 02 min
